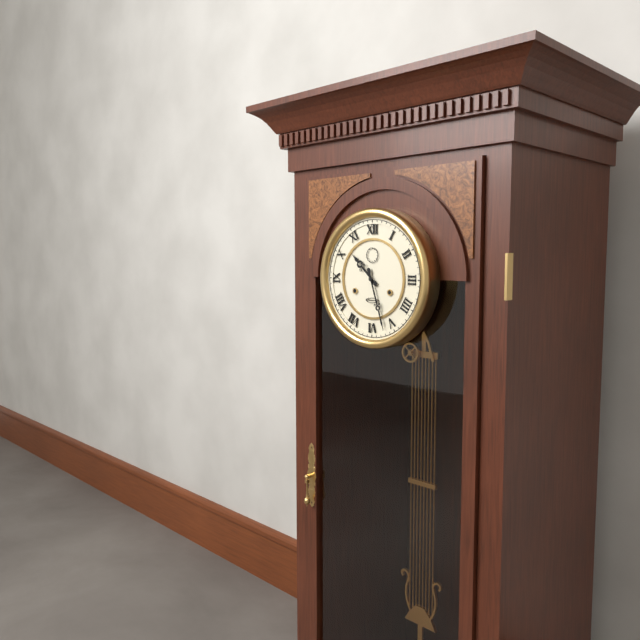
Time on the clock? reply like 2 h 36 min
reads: 10 h 27 min
